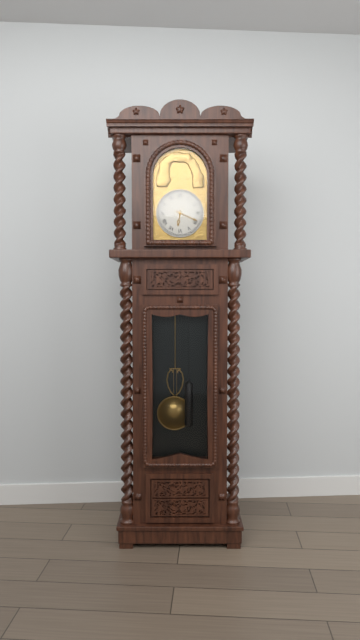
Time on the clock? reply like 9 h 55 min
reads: 6 h 19 min
